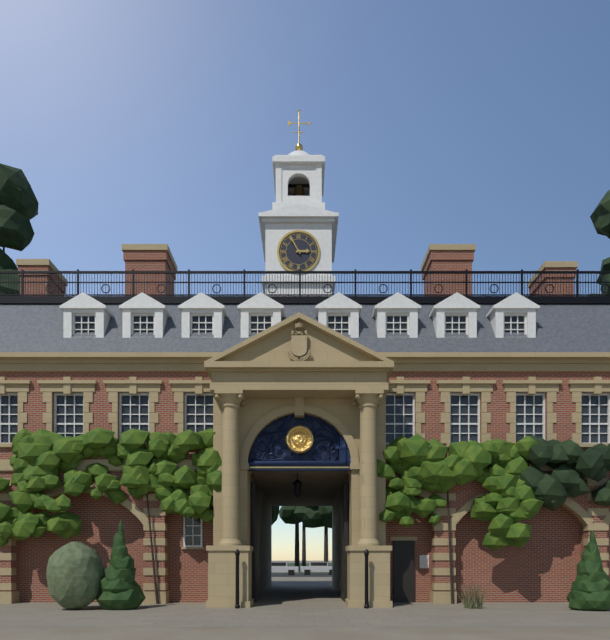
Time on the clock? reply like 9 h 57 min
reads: 2 h 55 min
